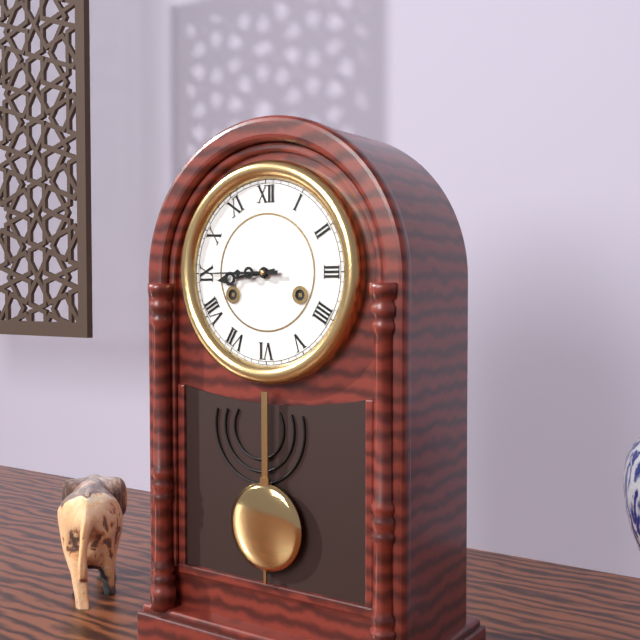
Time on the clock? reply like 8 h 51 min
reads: 8 h 45 min
